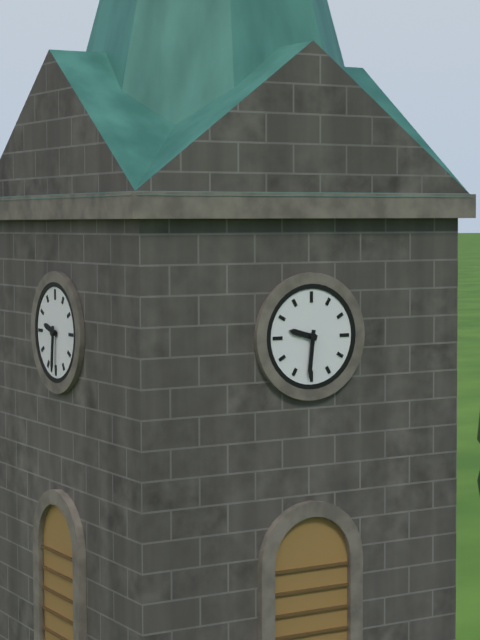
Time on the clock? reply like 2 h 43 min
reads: 9 h 31 min
